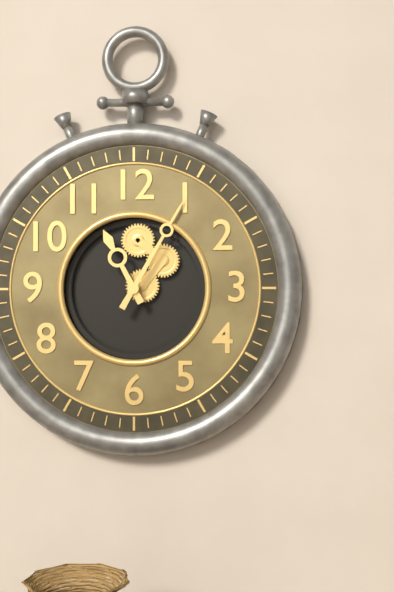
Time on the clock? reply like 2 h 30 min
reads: 11 h 05 min
